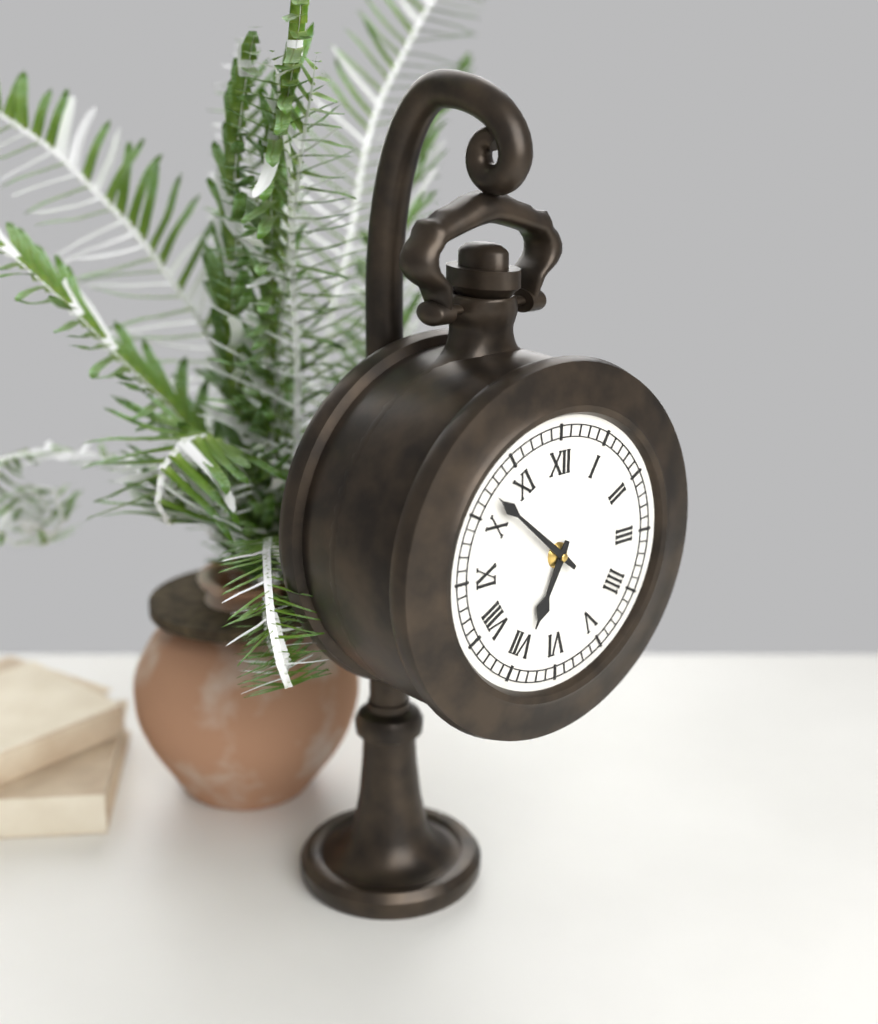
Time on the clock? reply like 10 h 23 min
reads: 6 h 52 min
